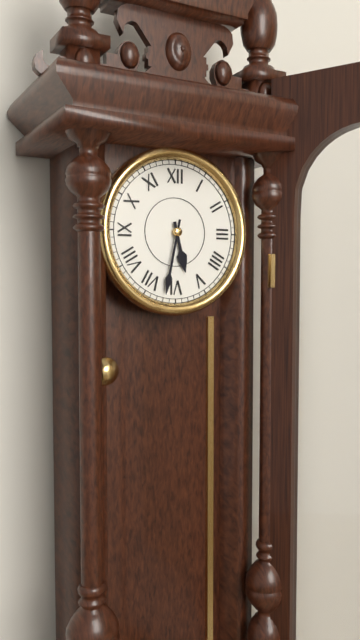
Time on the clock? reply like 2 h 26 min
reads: 5 h 32 min
